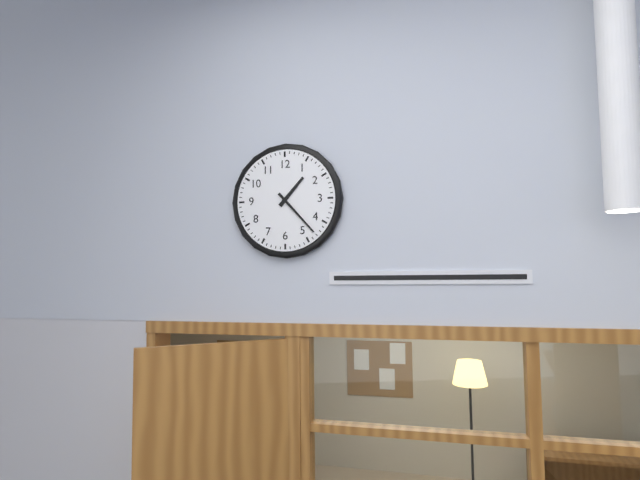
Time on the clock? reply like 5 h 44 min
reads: 1 h 23 min
